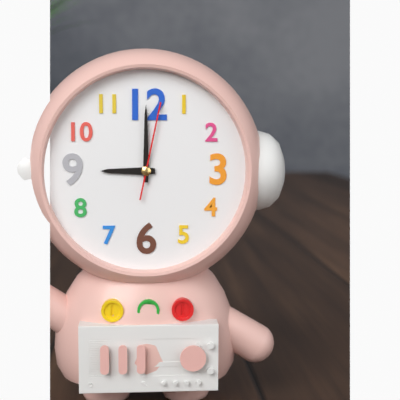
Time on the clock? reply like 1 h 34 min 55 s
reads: 9 h 00 min 02 s
